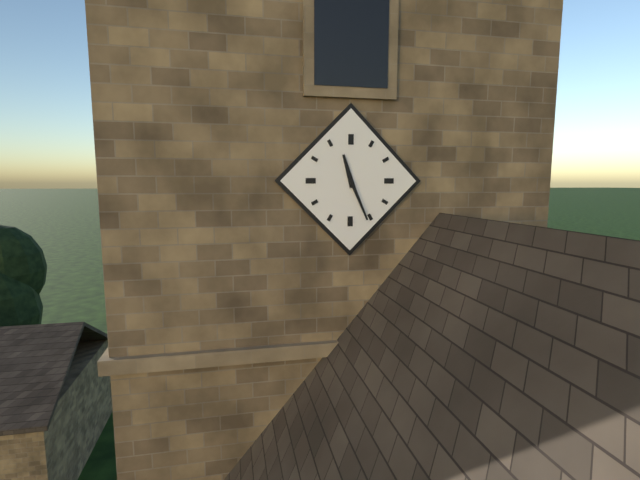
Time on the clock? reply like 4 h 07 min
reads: 11 h 26 min
